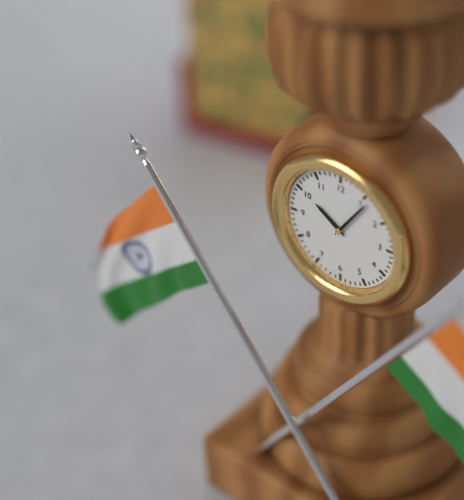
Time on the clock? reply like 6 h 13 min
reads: 10 h 06 min
